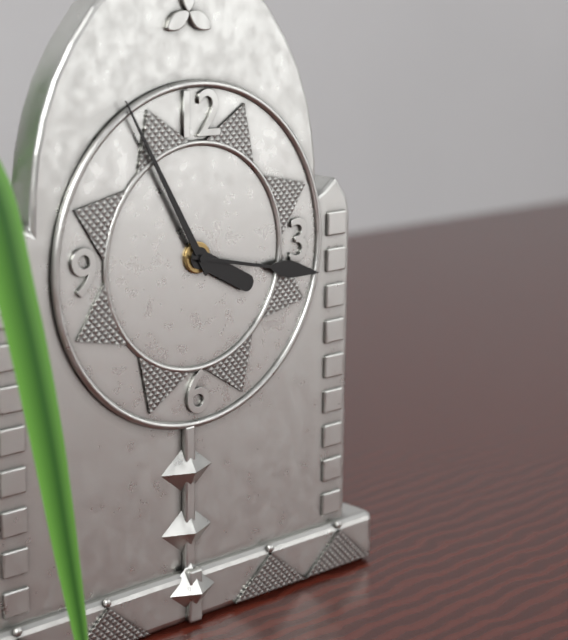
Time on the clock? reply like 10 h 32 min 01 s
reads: 3 h 55 min 17 s
